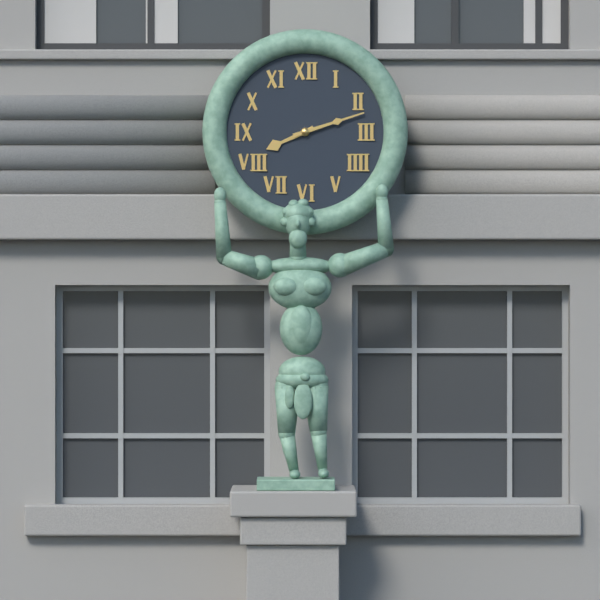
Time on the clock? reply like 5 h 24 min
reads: 8 h 12 min
